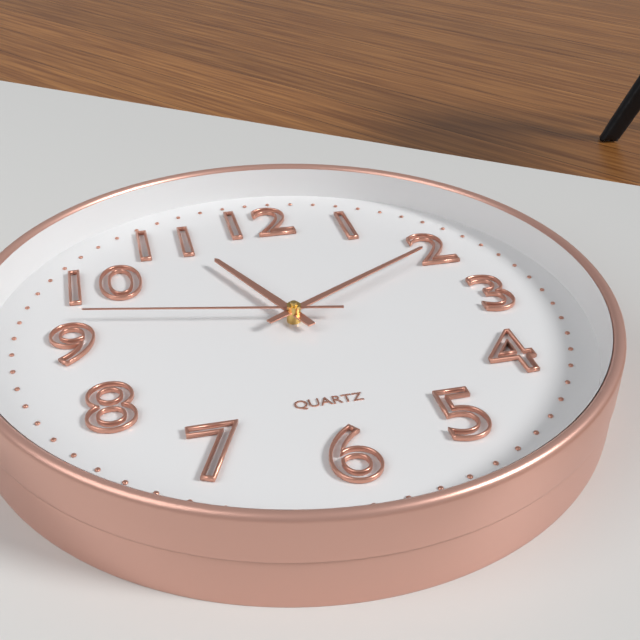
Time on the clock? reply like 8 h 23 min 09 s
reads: 11 h 10 min 47 s
